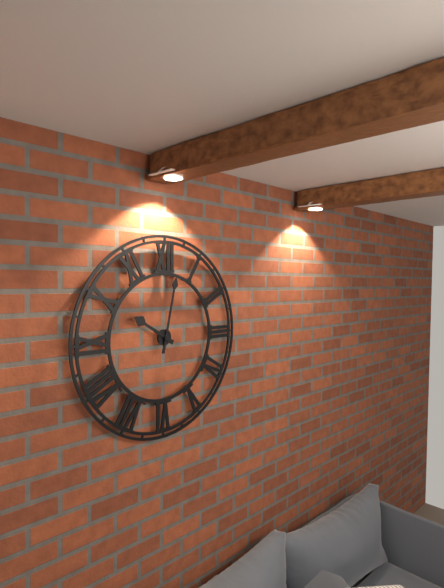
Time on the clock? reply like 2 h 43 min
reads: 10 h 02 min
